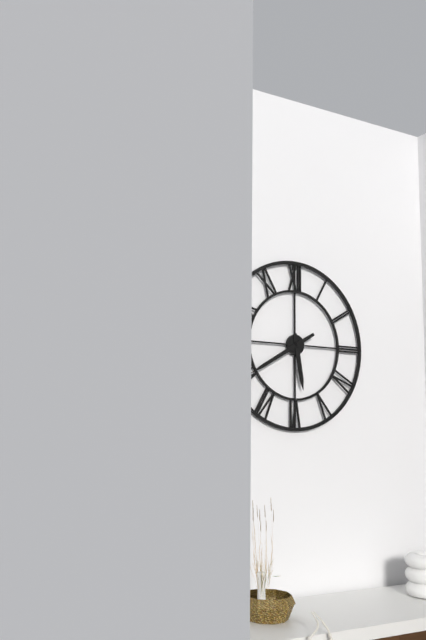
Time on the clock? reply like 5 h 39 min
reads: 5 h 40 min
